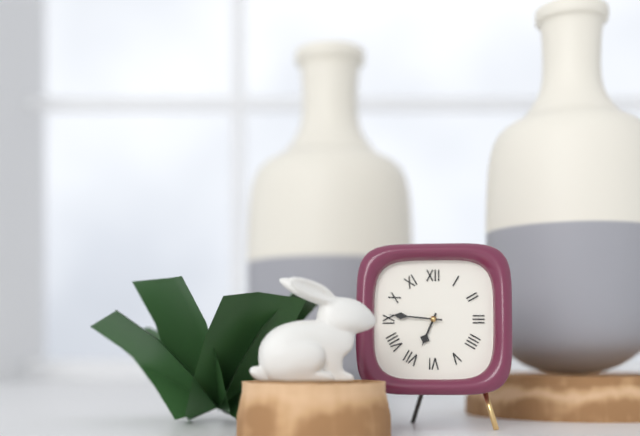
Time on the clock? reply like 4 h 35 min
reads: 6 h 46 min
